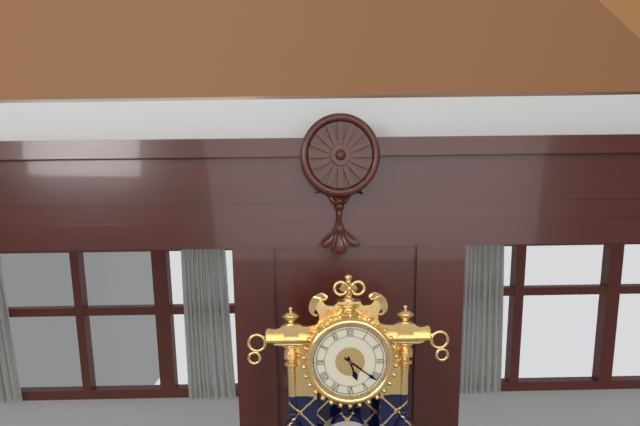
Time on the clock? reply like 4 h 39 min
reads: 5 h 21 min
